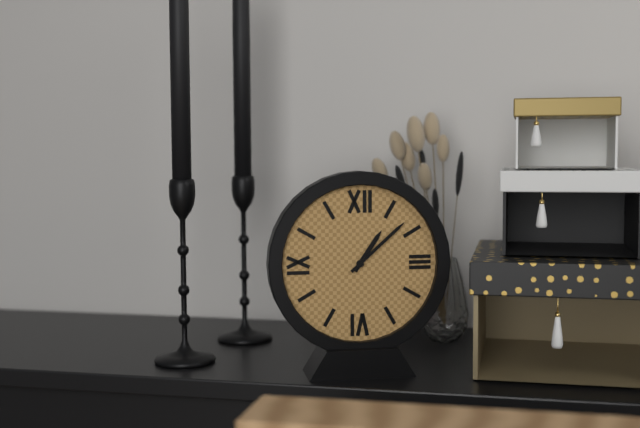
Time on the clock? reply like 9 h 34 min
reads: 1 h 08 min
